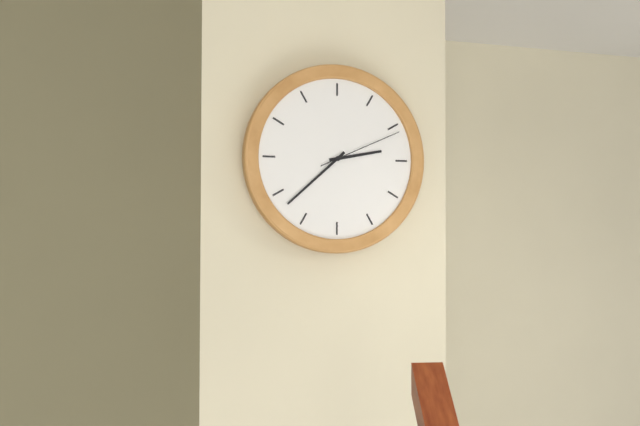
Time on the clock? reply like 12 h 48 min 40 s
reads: 2 h 38 min 11 s
